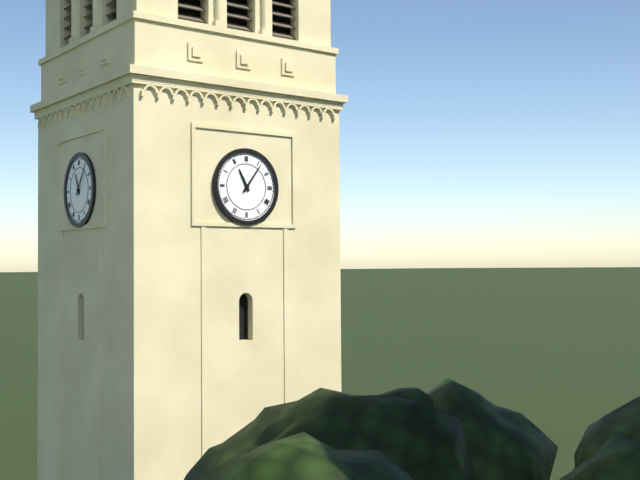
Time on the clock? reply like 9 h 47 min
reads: 11 h 06 min
